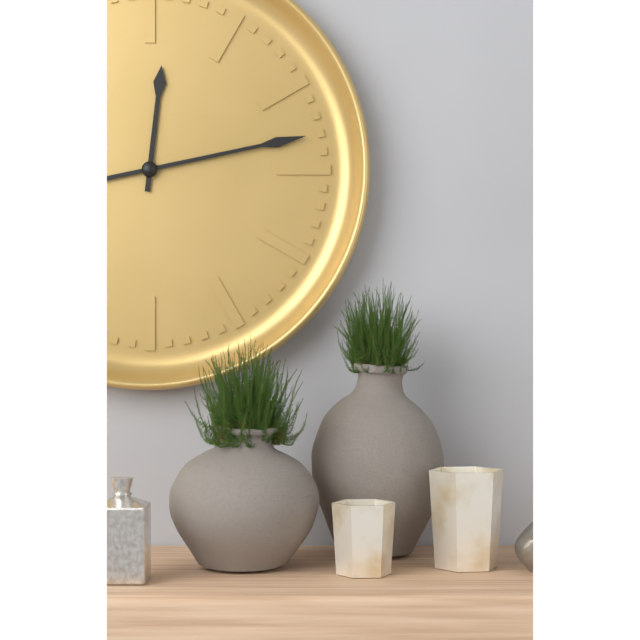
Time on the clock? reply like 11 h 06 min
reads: 12 h 13 min
